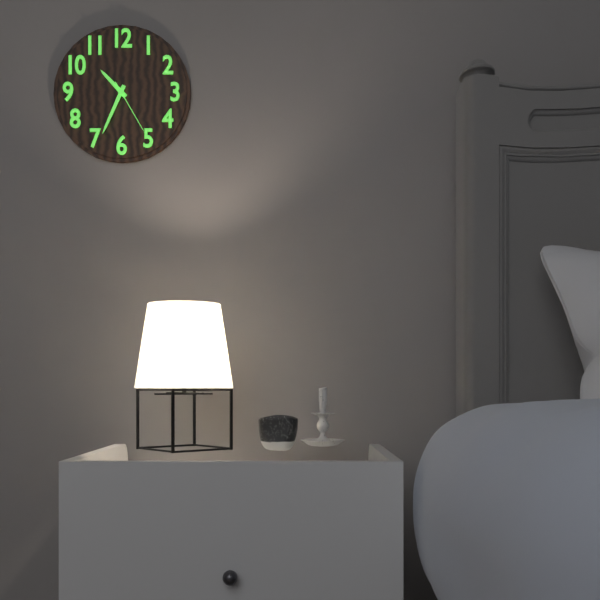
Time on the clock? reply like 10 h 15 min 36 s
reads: 10 h 34 min 25 s
